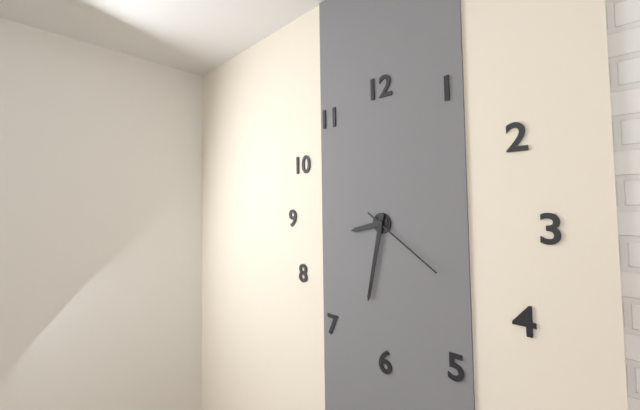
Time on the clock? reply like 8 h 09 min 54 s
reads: 8 h 32 min 21 s
